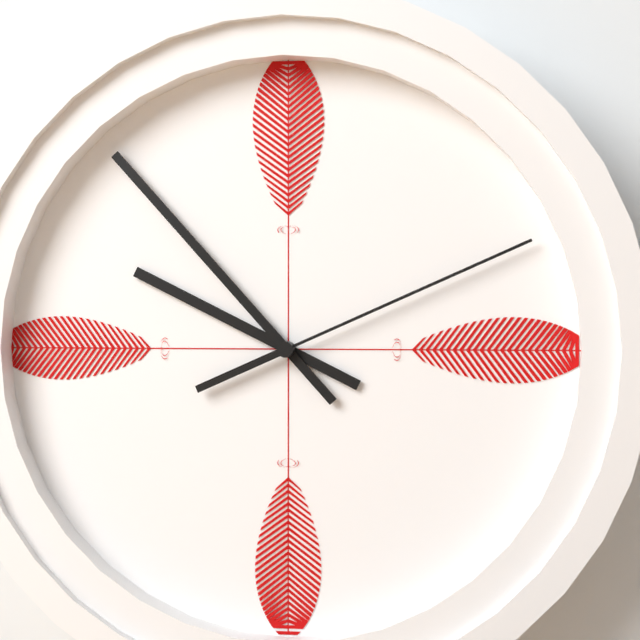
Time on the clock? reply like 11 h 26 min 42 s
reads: 9 h 53 min 11 s
